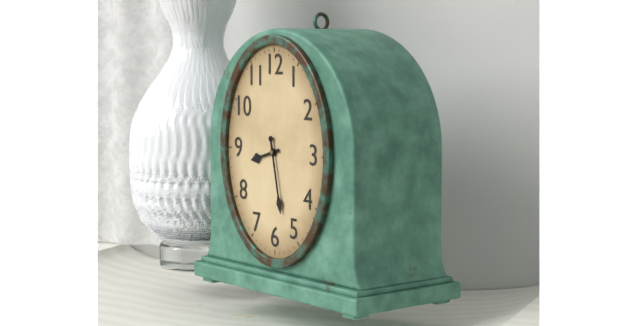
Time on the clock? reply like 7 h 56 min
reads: 8 h 28 min
